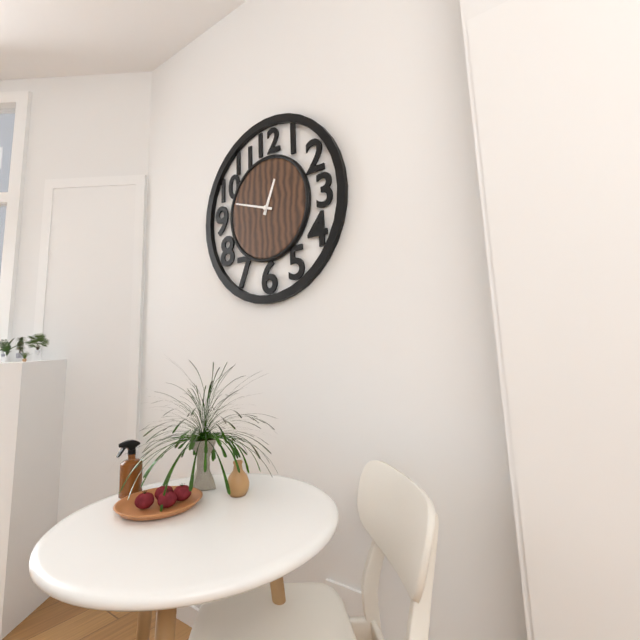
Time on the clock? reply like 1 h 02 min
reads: 12 h 48 min
